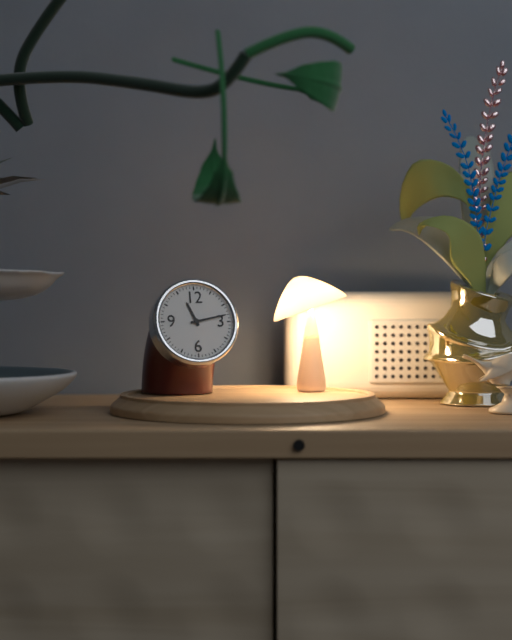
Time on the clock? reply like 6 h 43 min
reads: 11 h 13 min
